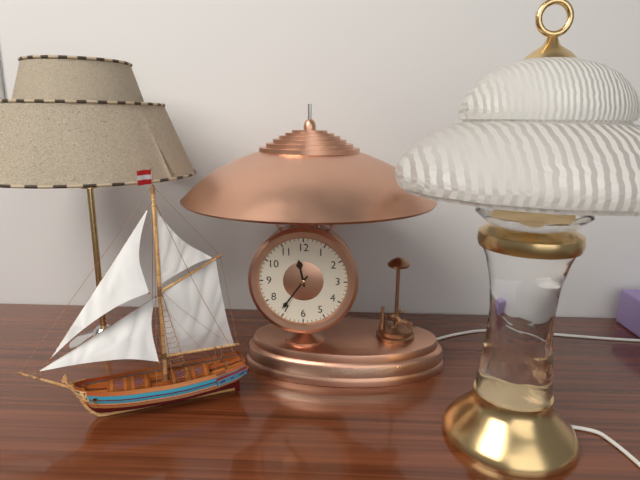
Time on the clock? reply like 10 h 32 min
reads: 11 h 36 min
